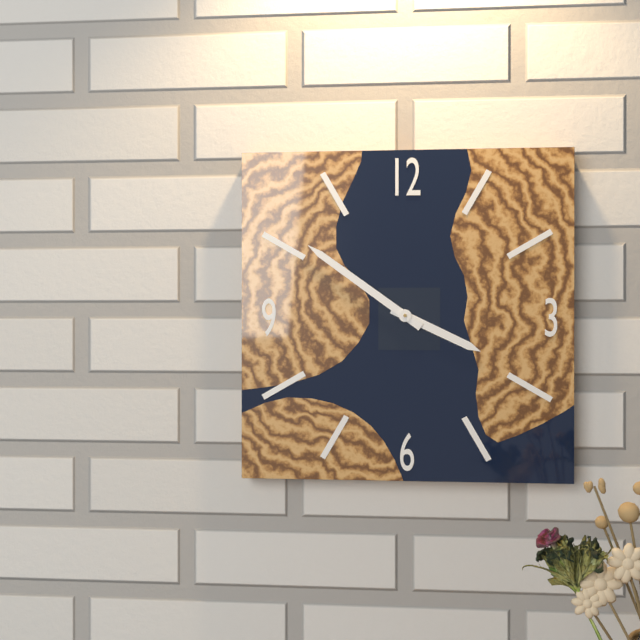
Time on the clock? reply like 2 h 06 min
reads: 3 h 51 min
